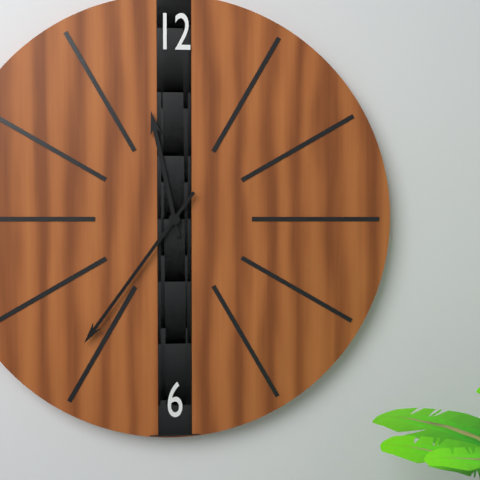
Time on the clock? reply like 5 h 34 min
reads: 11 h 36 min
